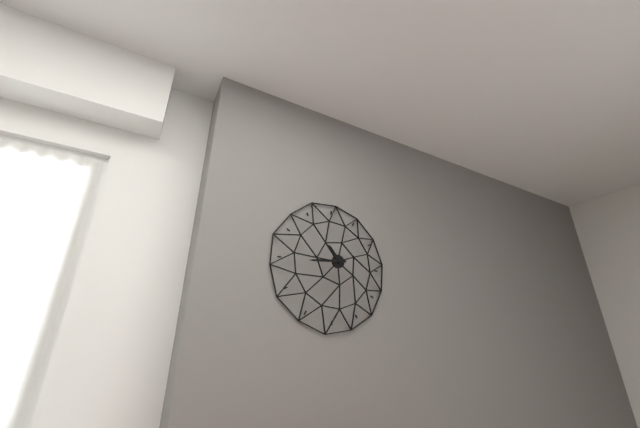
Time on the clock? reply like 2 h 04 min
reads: 10 h 44 min
